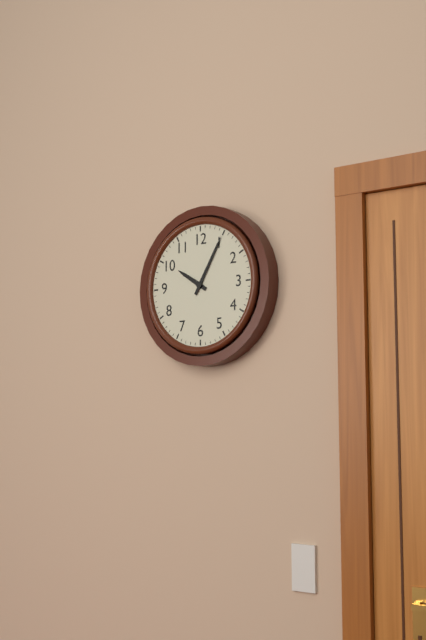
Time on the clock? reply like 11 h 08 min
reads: 10 h 05 min
